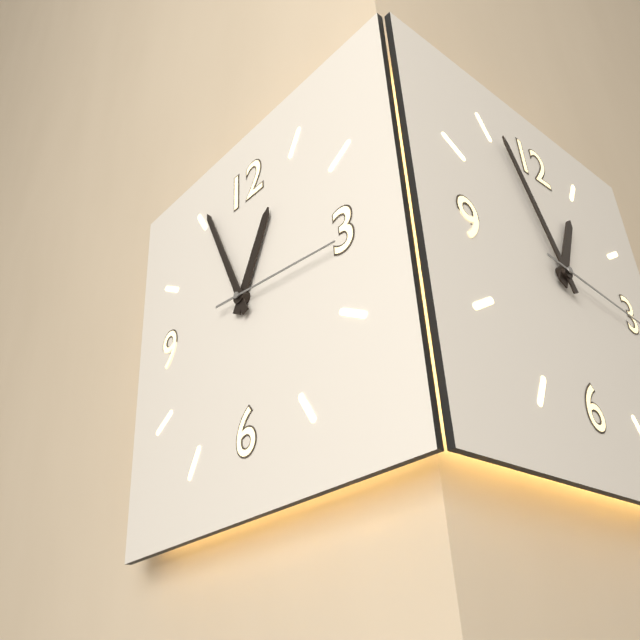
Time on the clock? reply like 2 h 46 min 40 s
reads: 12 h 56 min 16 s
